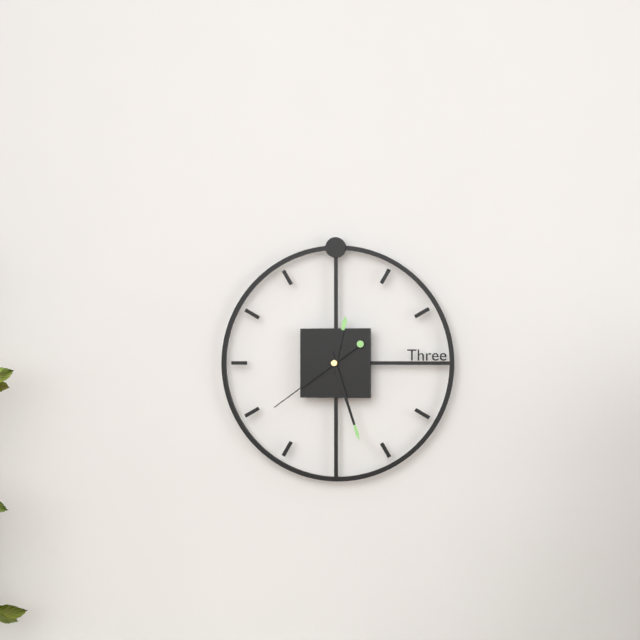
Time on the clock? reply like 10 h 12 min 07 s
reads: 12 h 27 min 39 s
